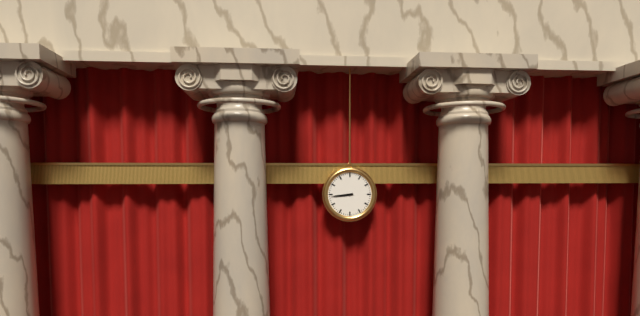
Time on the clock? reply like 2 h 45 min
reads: 8 h 44 min
